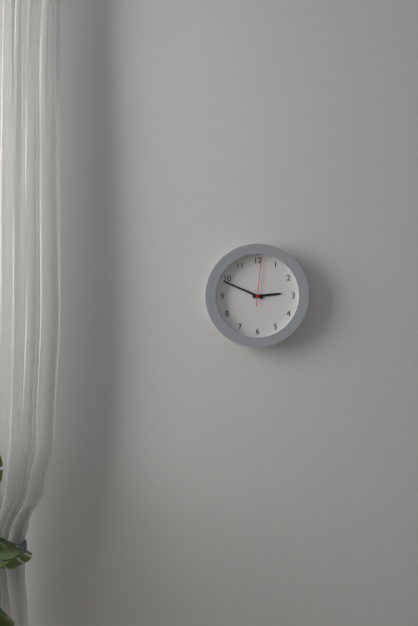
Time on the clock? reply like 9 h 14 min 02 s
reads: 2 h 49 min 01 s
